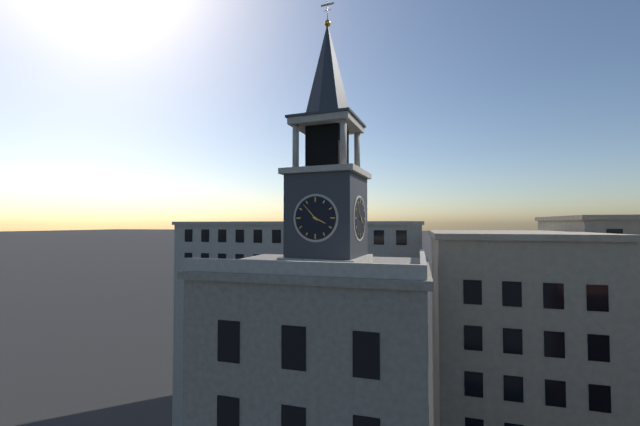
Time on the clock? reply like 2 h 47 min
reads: 3 h 53 min
